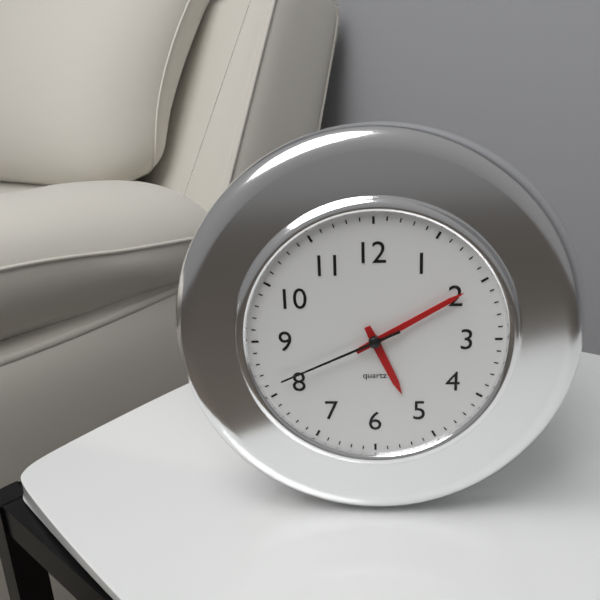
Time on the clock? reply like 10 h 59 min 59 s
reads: 5 h 10 min 41 s
